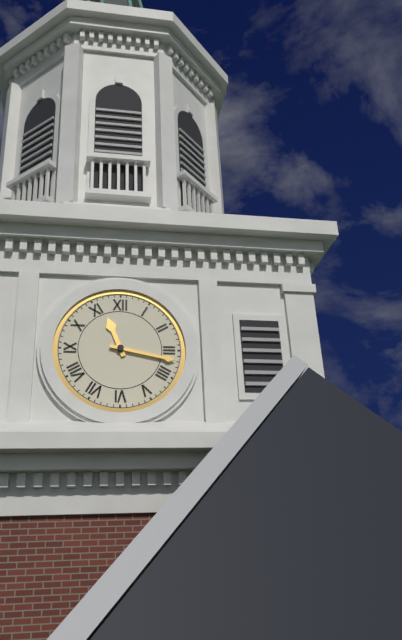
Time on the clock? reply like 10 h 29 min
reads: 11 h 17 min
